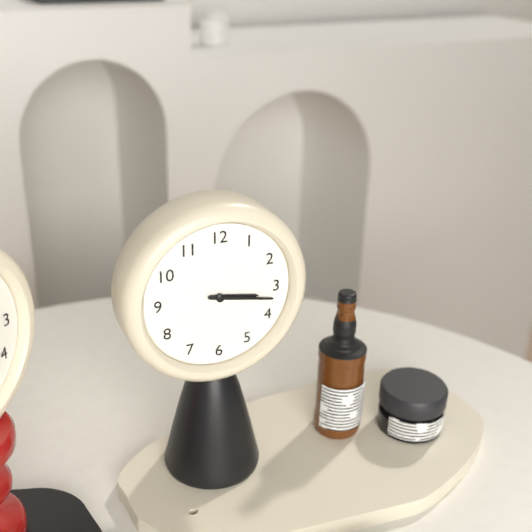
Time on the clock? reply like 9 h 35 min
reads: 3 h 17 min
